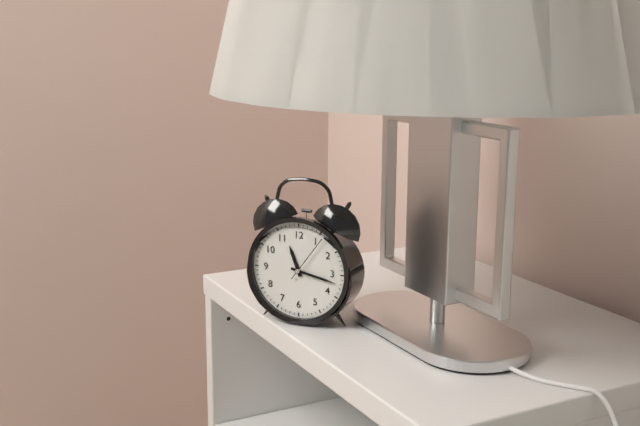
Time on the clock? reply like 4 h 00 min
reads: 11 h 17 min
